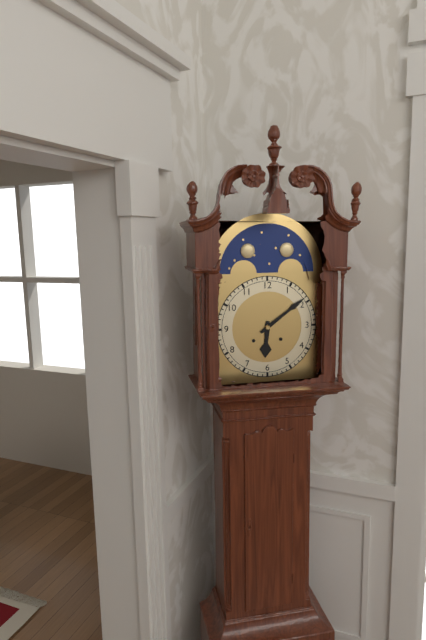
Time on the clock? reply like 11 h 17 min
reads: 6 h 09 min
